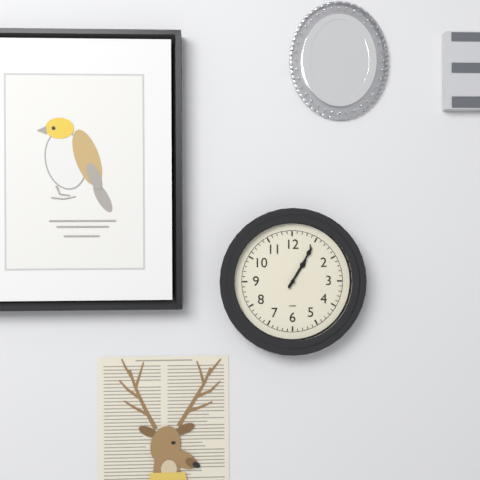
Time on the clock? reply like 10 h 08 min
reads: 1 h 05 min
